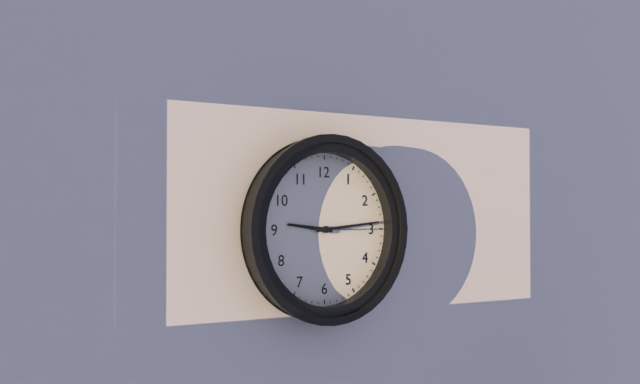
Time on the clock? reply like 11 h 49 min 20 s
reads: 9 h 14 min 15 s
